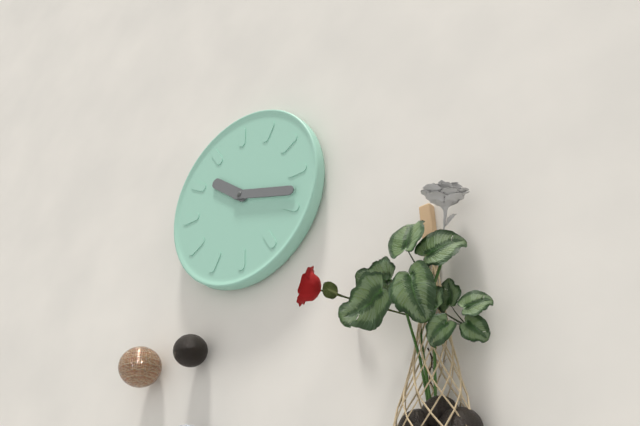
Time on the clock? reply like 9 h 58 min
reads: 10 h 18 min
